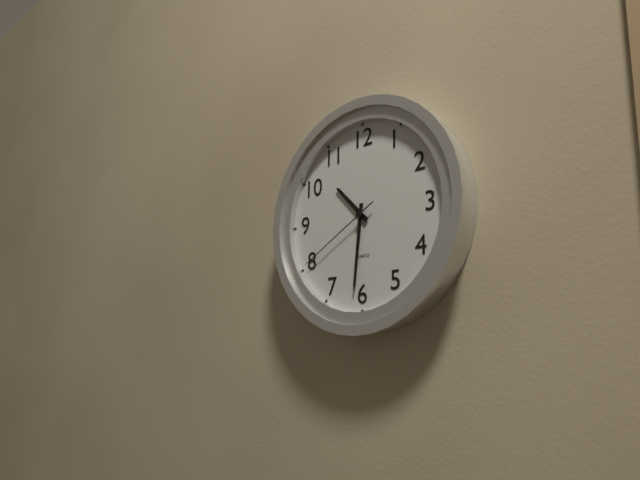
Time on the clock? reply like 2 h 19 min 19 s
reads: 10 h 31 min 40 s
